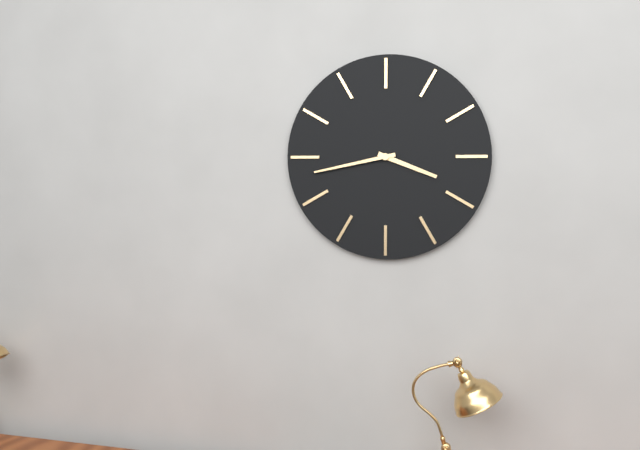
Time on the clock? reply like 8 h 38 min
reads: 3 h 43 min
